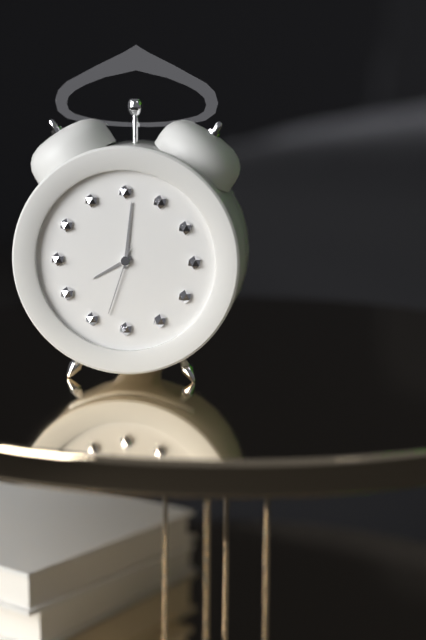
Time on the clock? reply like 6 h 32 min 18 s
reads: 8 h 01 min 33 s
